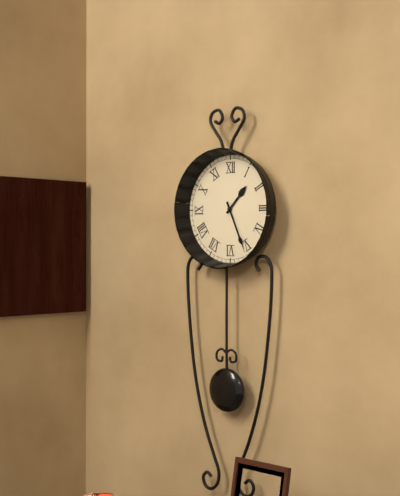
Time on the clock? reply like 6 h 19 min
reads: 1 h 26 min
